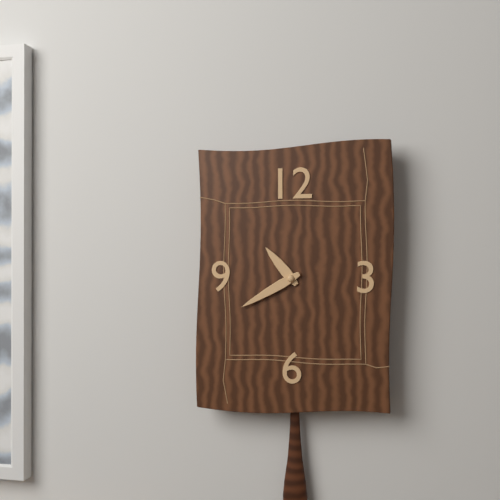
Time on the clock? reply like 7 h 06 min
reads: 10 h 40 min
